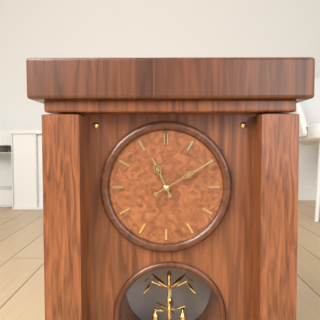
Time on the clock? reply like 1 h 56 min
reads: 11 h 10 min
